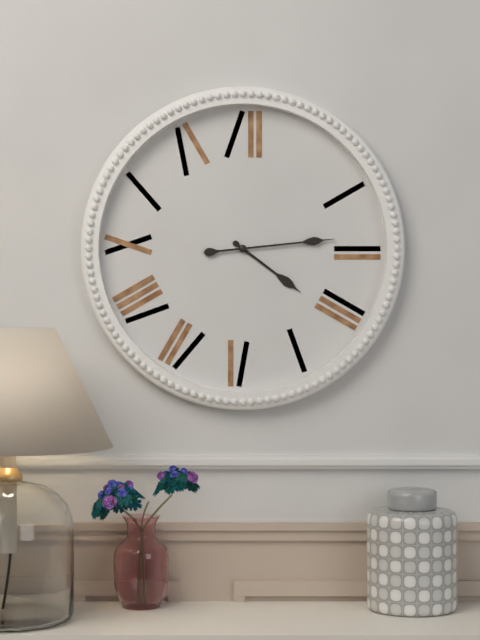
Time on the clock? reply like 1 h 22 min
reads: 4 h 14 min
